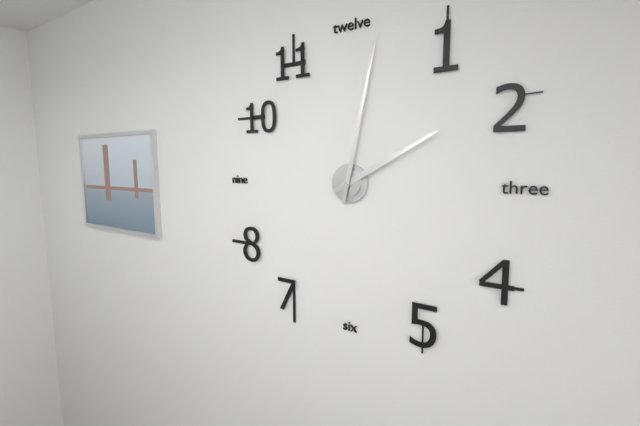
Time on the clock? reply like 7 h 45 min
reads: 2 h 02 min
